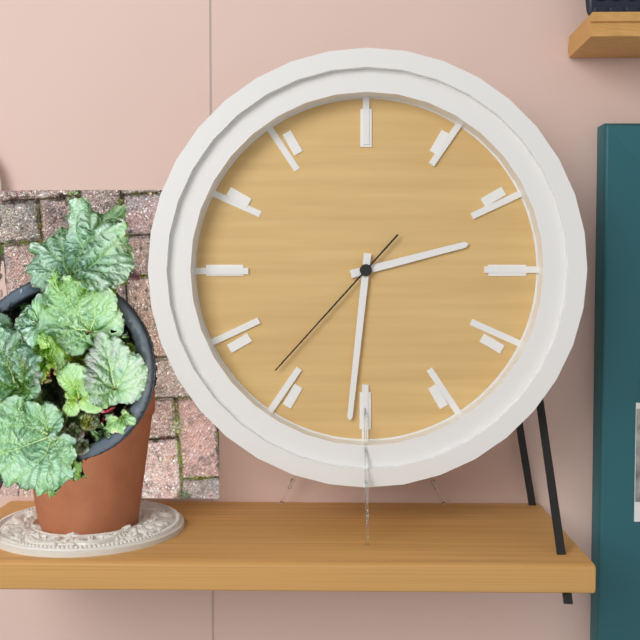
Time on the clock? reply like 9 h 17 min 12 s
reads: 2 h 31 min 37 s
